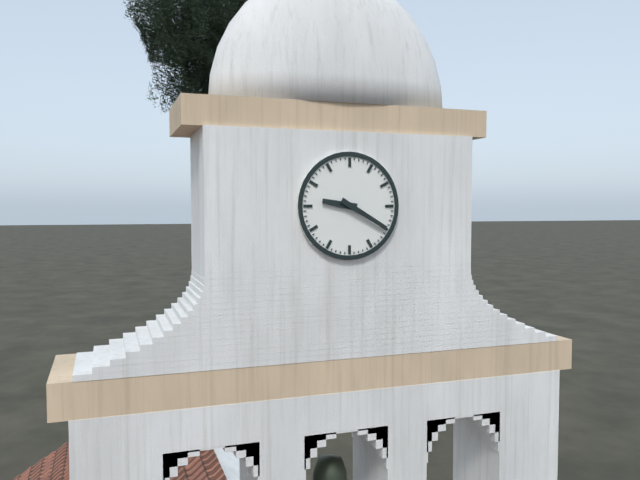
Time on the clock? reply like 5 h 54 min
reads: 9 h 20 min
